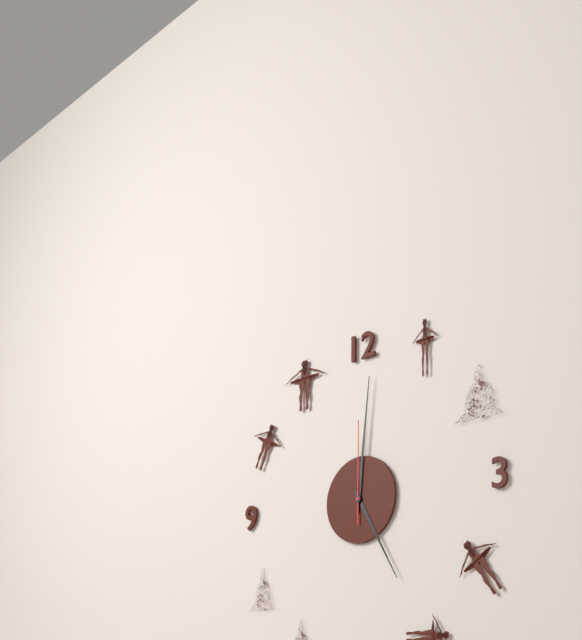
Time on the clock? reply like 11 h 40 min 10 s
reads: 5 h 01 min 00 s
